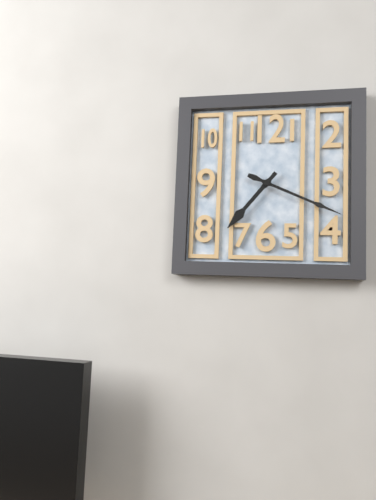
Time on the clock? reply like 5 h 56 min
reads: 7 h 19 min
